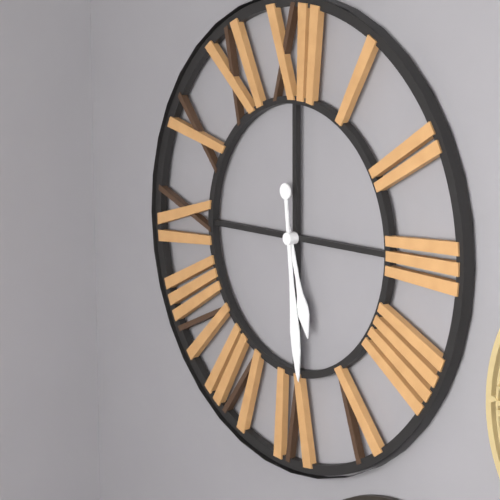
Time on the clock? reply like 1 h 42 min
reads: 5 h 29 min
